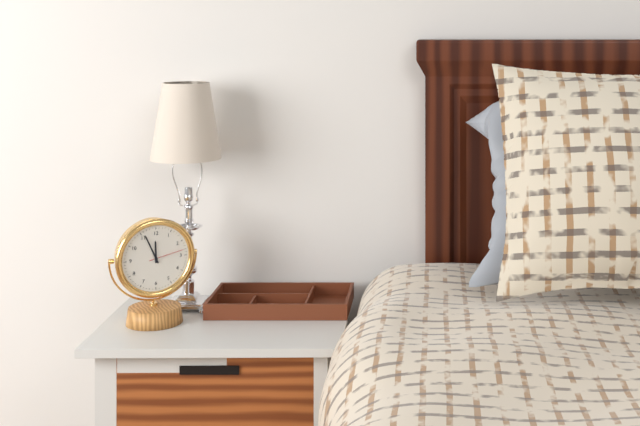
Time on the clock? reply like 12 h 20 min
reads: 11 h 56 min
